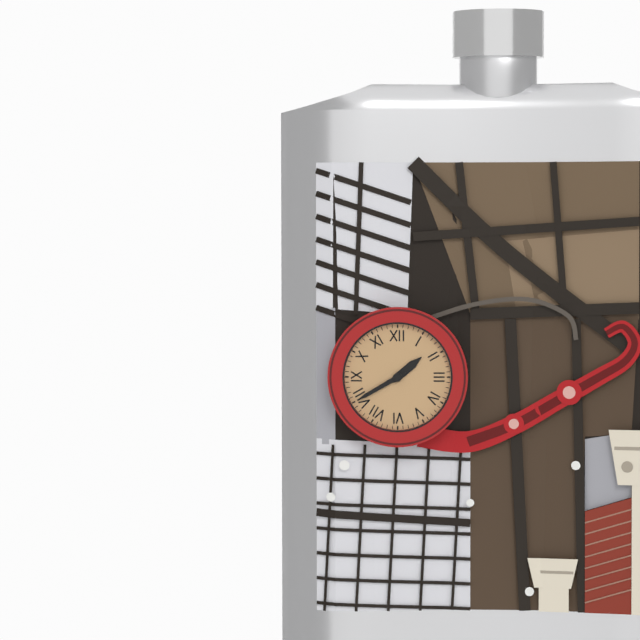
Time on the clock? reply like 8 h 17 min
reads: 1 h 40 min
